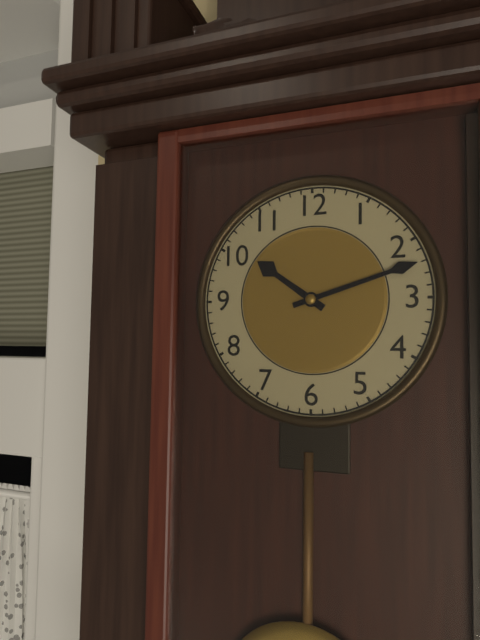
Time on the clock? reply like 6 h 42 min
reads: 10 h 12 min
